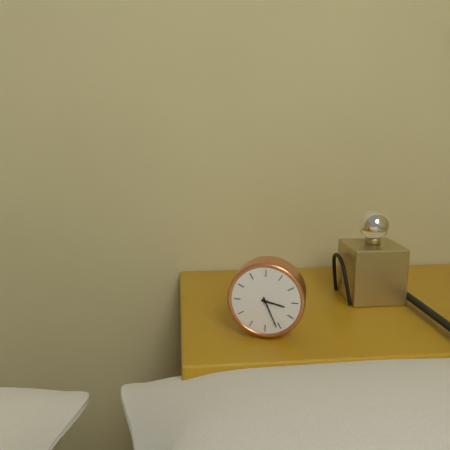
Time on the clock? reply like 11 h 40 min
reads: 3 h 26 min
